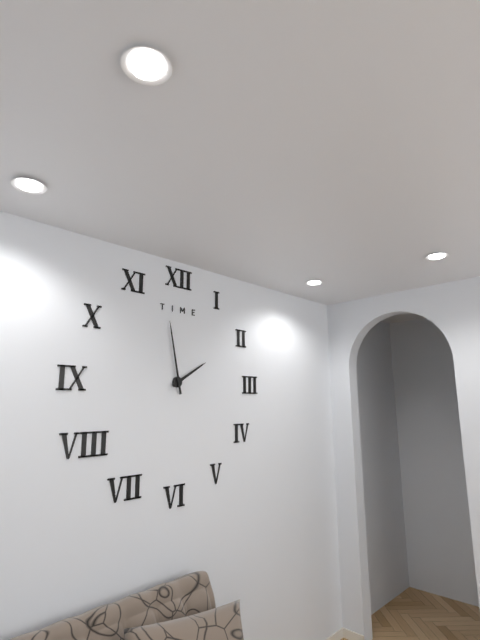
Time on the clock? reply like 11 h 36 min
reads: 1 h 58 min
